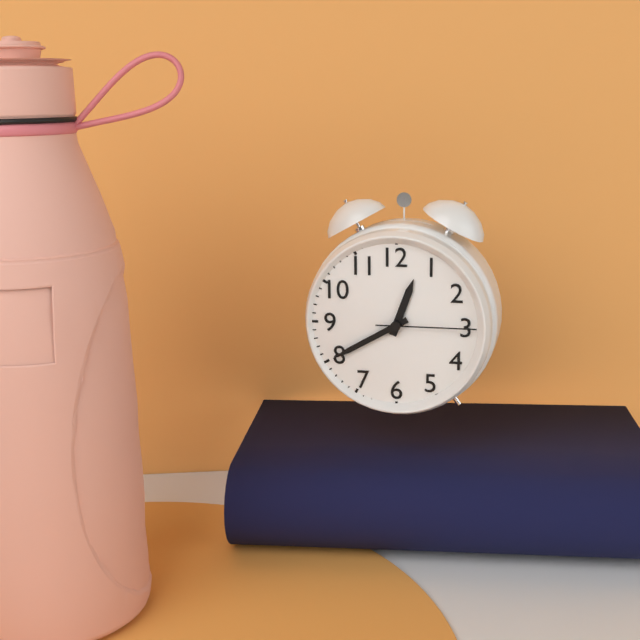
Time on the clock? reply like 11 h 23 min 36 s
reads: 12 h 40 min 15 s
